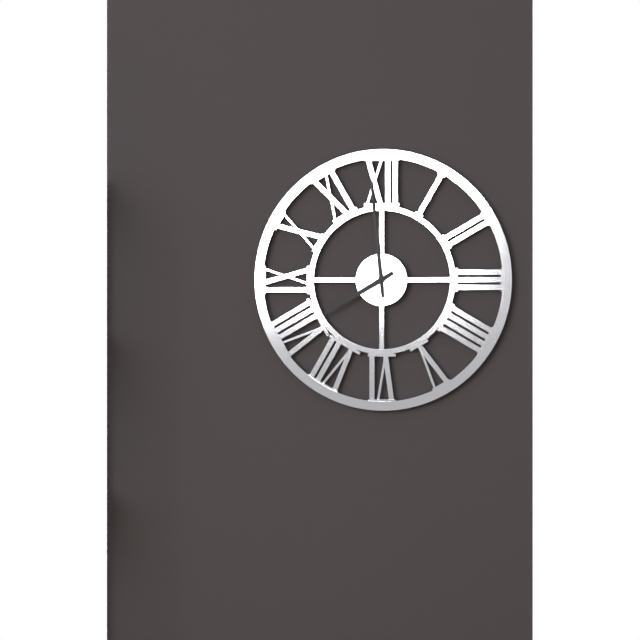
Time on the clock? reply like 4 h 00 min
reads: 7 h 59 min
